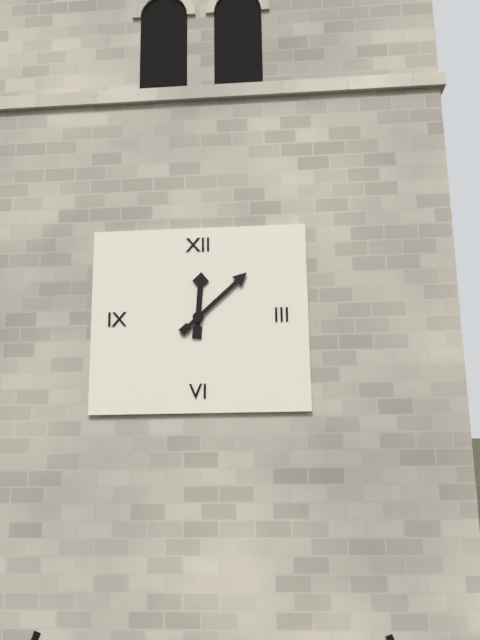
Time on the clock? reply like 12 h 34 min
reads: 12 h 08 min
